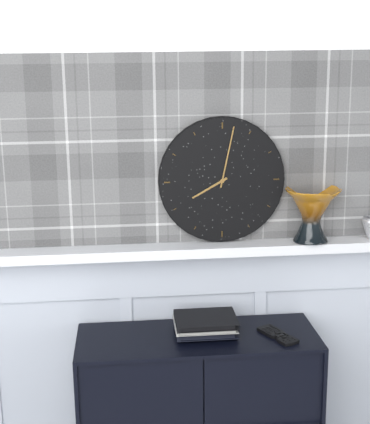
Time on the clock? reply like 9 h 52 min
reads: 8 h 02 min
